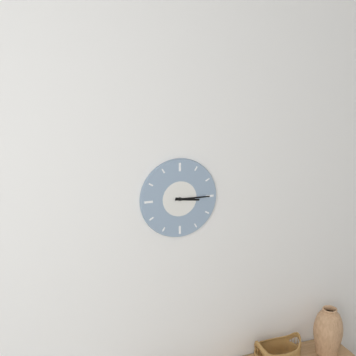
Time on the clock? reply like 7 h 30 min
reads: 3 h 15 min
